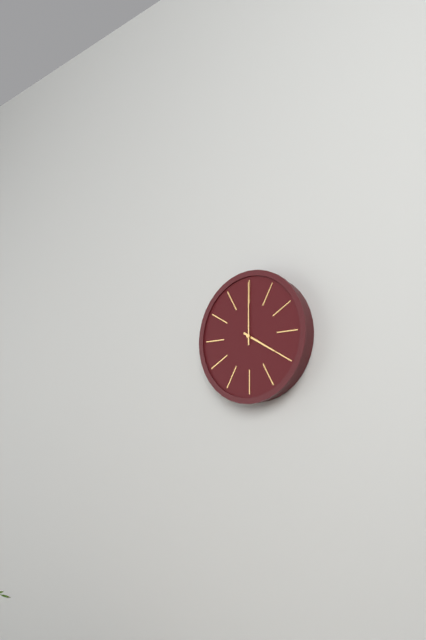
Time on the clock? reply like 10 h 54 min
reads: 4 h 00 min
